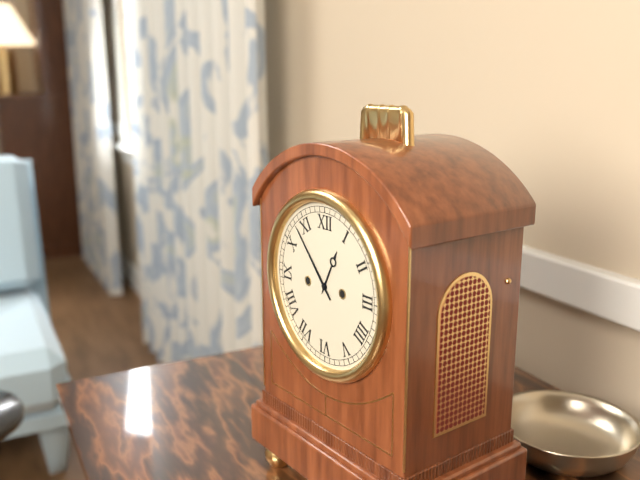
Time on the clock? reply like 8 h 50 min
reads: 12 h 53 min
